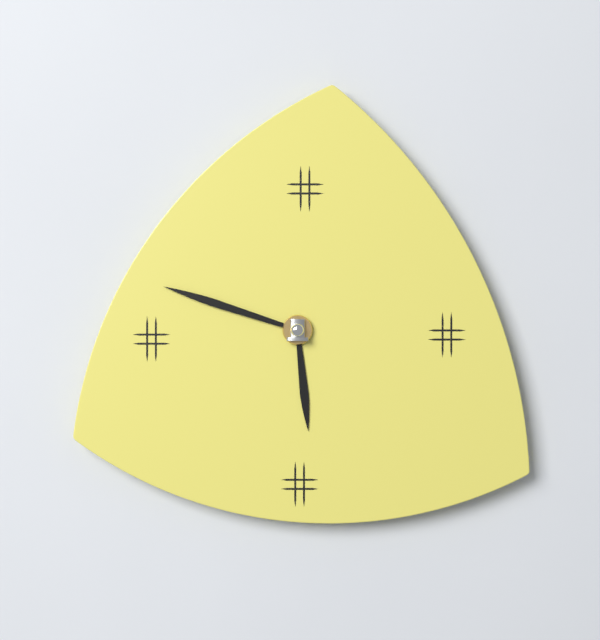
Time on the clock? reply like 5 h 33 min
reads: 5 h 48 min
